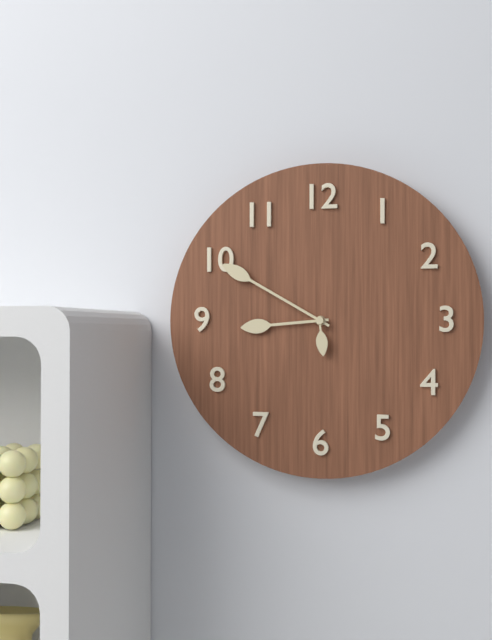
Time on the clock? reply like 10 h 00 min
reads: 8 h 50 min
